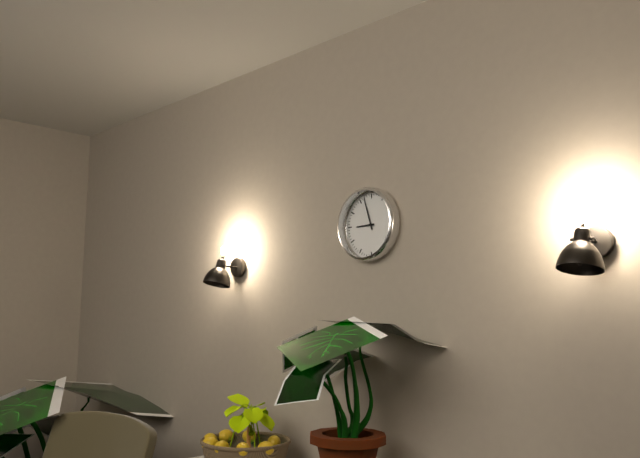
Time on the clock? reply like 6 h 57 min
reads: 8 h 57 min
